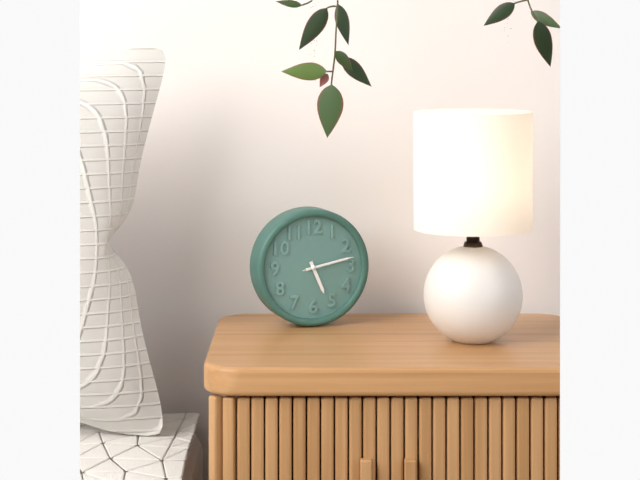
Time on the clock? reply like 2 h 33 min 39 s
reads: 5 h 13 min 13 s
